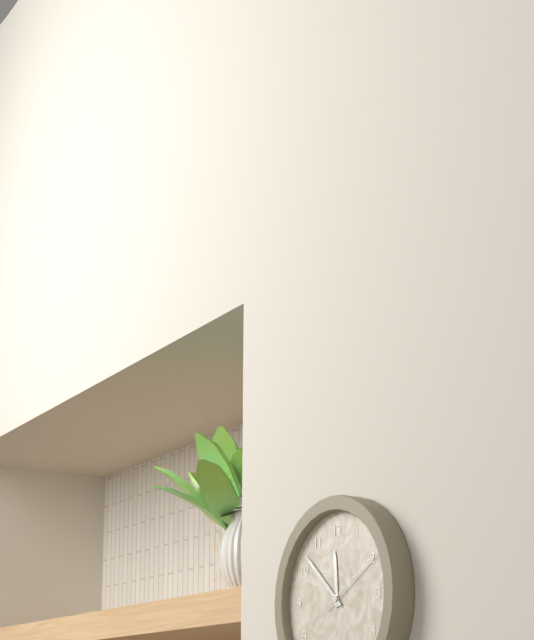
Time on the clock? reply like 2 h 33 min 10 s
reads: 11 h 52 min 10 s
